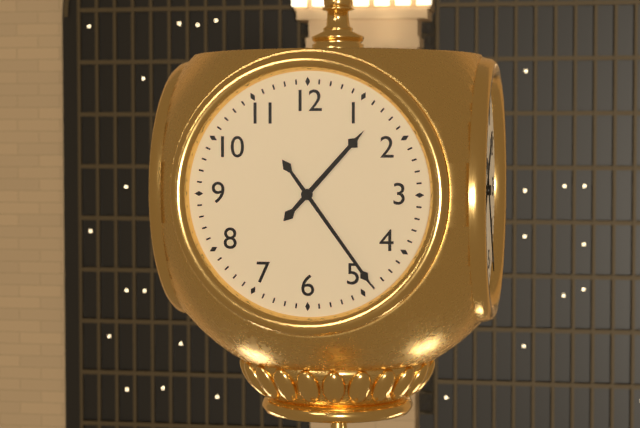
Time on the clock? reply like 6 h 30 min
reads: 1 h 24 min
